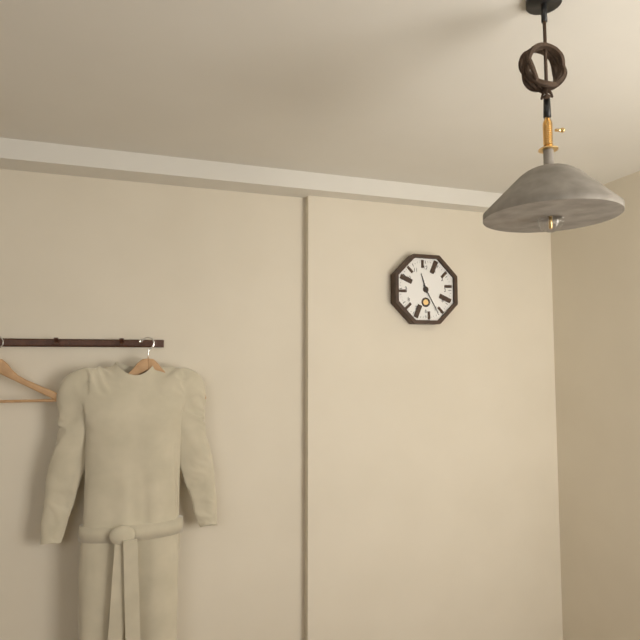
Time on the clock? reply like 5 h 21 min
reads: 11 h 25 min
